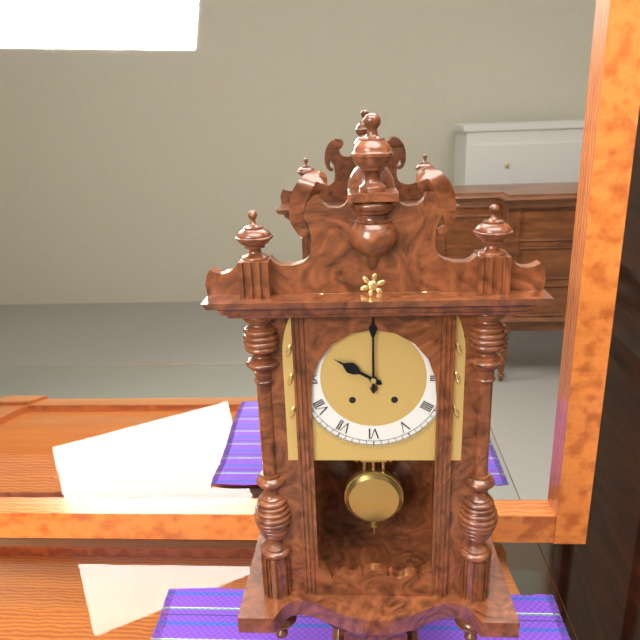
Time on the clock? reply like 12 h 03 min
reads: 10 h 00 min
